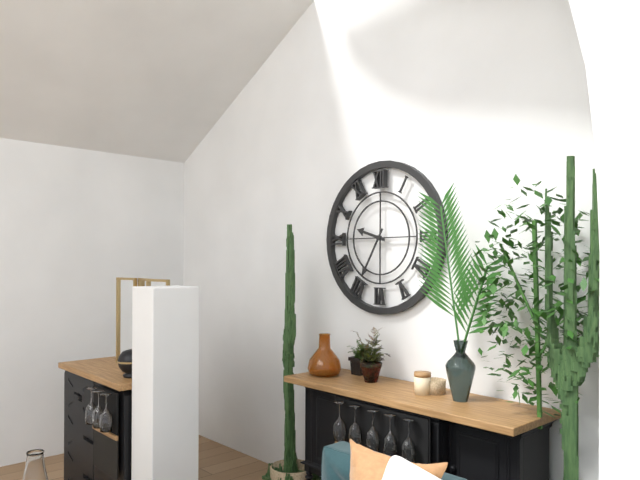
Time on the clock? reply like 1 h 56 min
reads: 9 h 35 min
